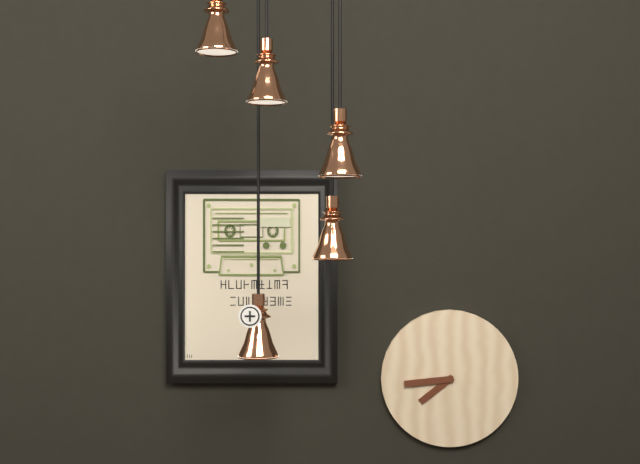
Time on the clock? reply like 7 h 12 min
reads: 7 h 44 min
